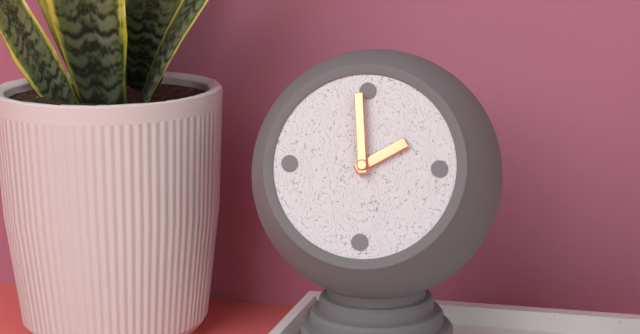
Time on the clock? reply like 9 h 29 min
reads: 1 h 59 min
